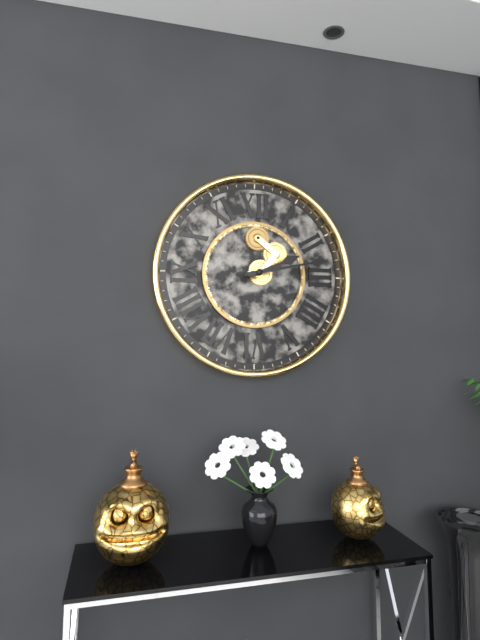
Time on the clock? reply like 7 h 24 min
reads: 2 h 13 min
